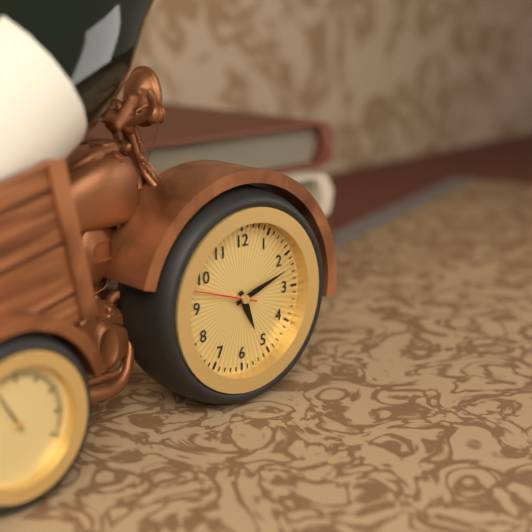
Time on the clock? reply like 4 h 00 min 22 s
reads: 5 h 12 min 48 s
